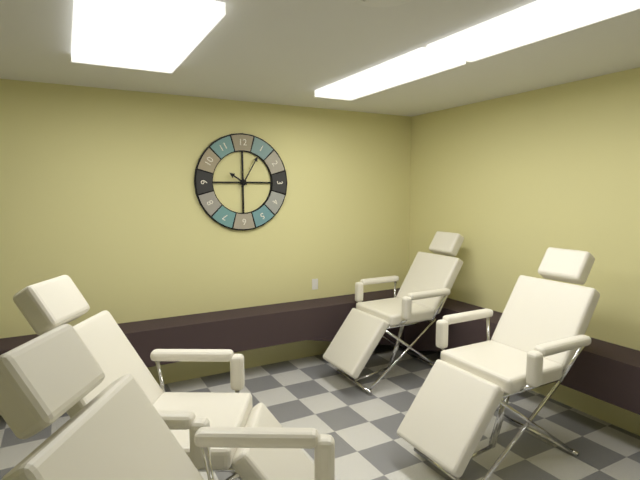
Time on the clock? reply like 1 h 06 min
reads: 10 h 05 min
